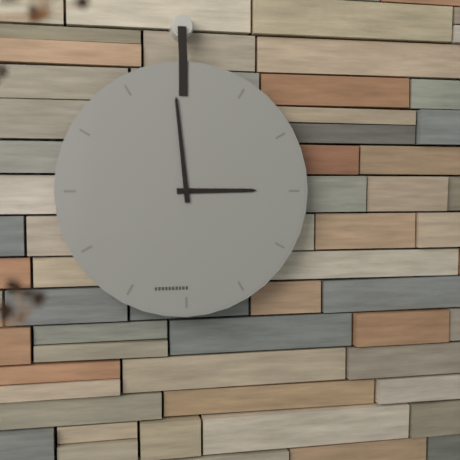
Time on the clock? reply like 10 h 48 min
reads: 2 h 59 min
